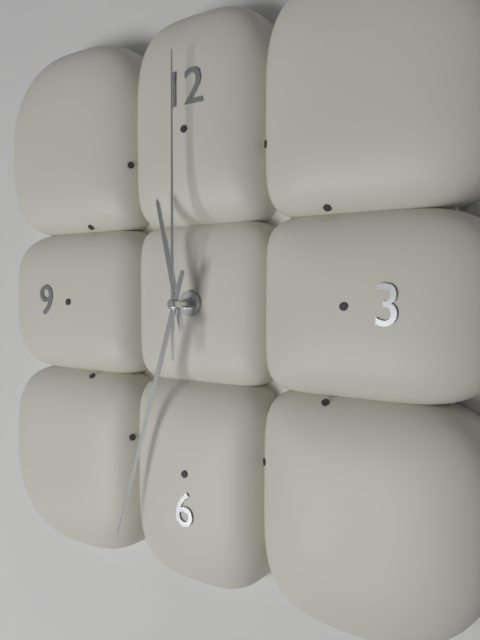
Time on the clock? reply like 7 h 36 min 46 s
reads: 11 h 33 min 00 s
